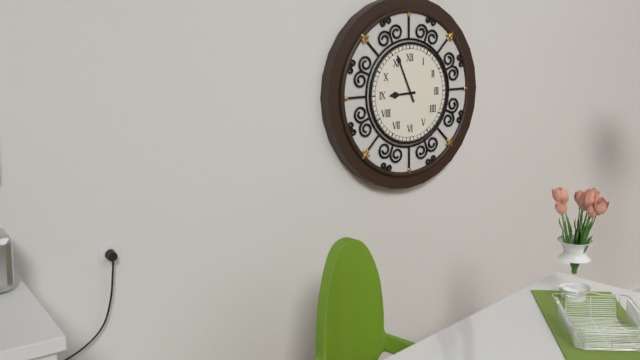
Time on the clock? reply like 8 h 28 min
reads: 8 h 56 min
